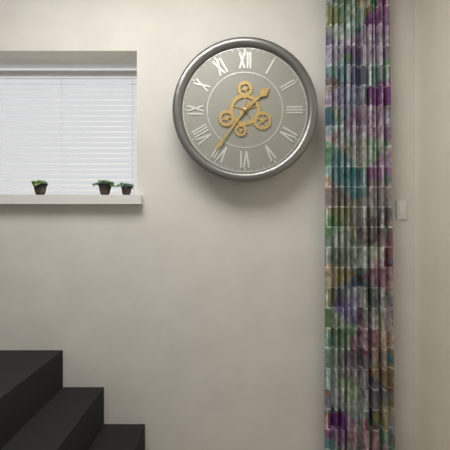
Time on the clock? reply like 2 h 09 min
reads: 1 h 36 min
